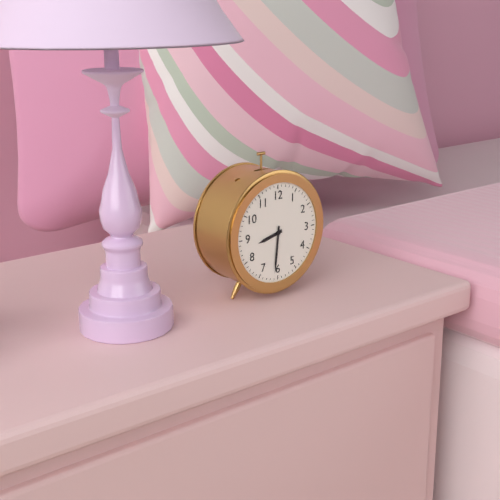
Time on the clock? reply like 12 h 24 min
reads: 8 h 31 min
